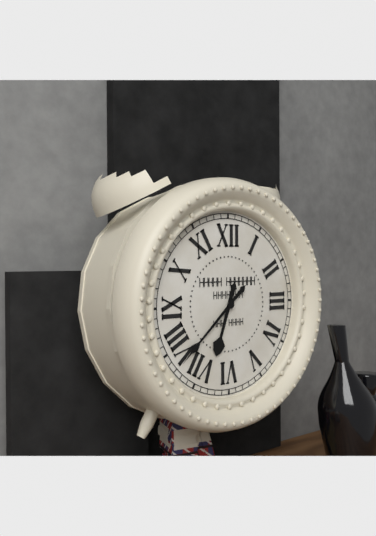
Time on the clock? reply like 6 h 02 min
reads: 6 h 38 min
